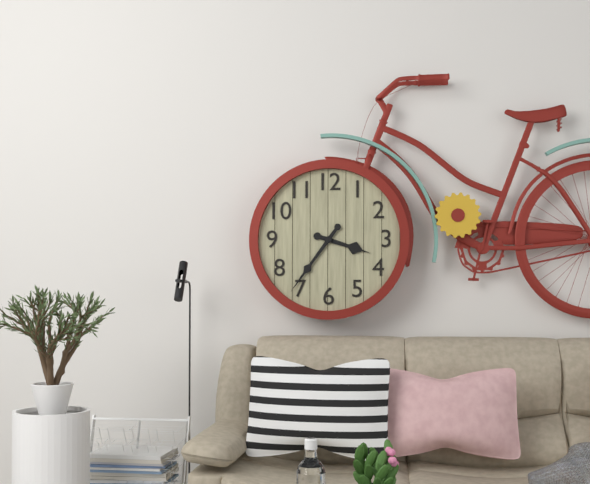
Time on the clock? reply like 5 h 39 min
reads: 3 h 36 min
